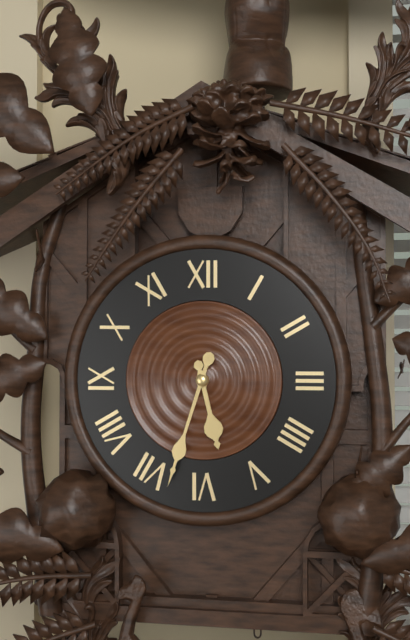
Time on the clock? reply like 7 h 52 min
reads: 5 h 33 min
